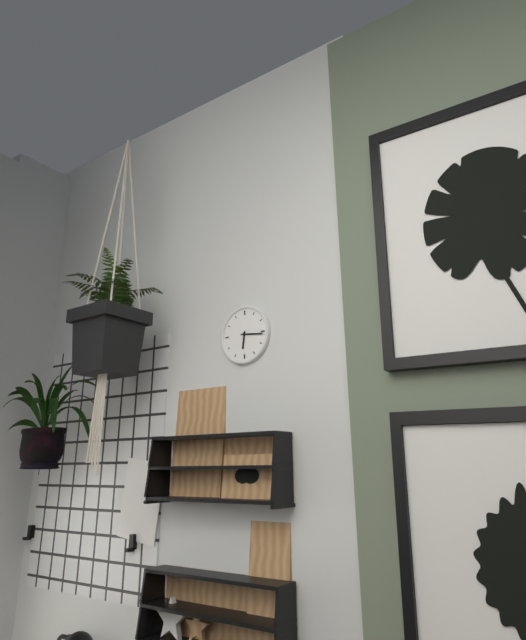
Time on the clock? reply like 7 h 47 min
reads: 6 h 16 min
